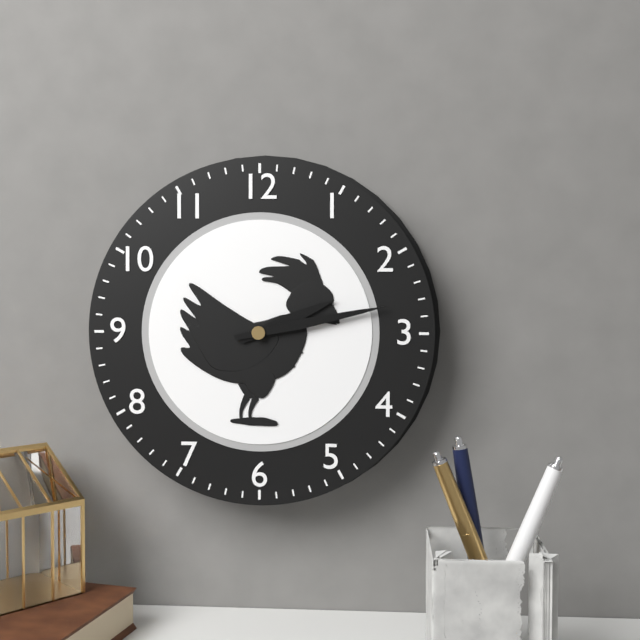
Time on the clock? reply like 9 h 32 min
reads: 2 h 13 min
